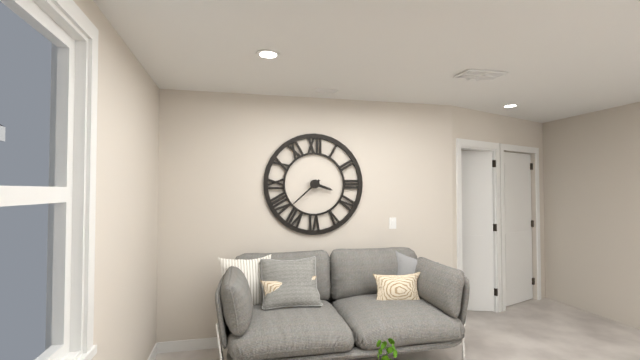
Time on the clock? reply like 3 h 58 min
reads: 3 h 38 min
